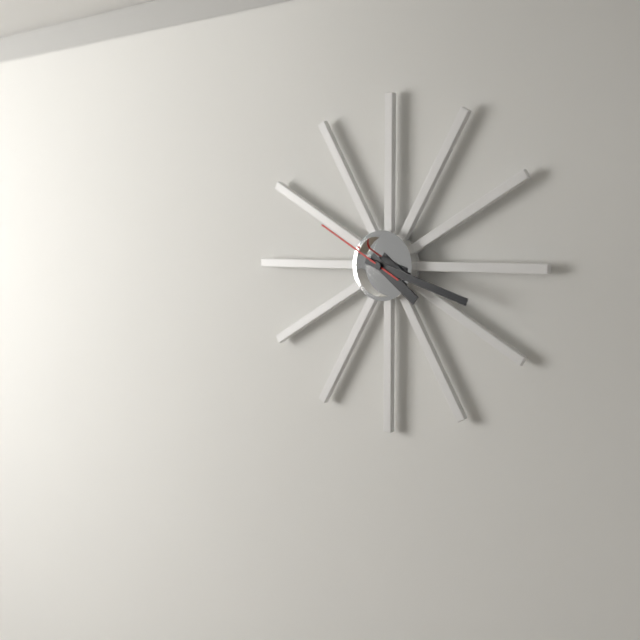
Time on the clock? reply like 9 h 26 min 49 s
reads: 4 h 18 min 50 s
